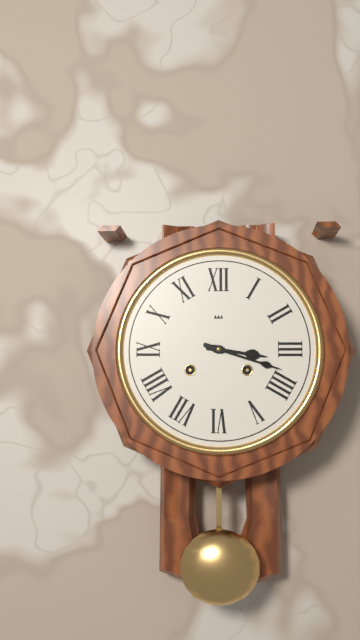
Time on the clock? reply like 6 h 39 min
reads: 3 h 18 min
